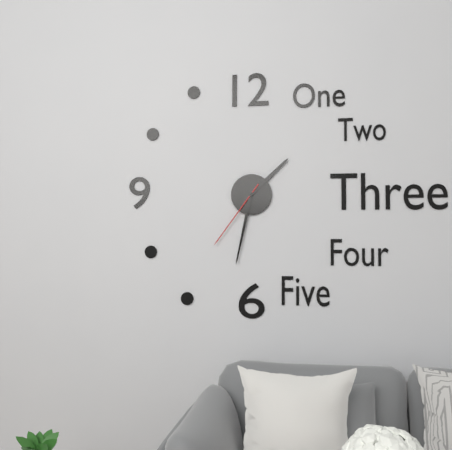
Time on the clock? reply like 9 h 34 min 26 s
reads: 1 h 32 min 36 s
